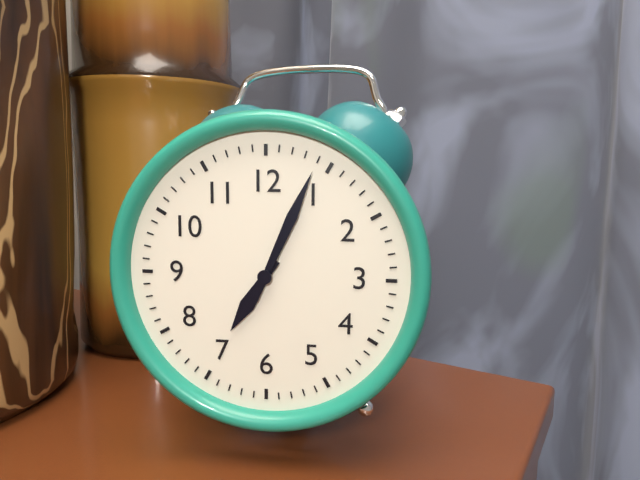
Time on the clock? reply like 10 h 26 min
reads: 7 h 04 min
